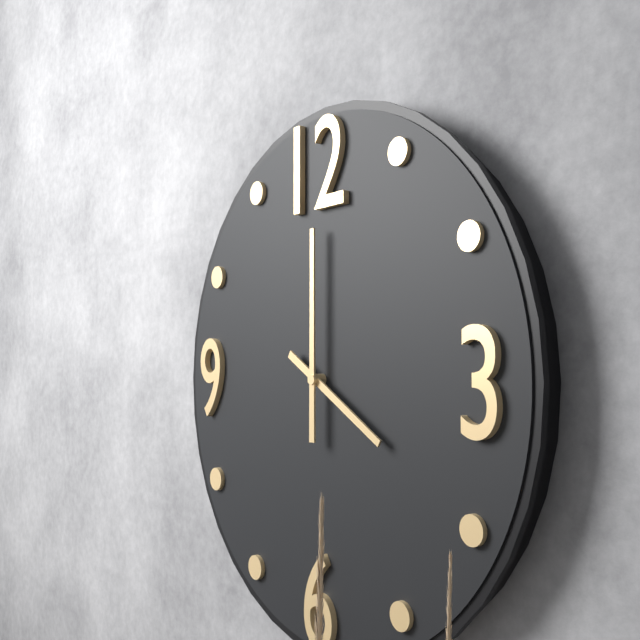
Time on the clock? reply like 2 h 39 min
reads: 4 h 00 min
